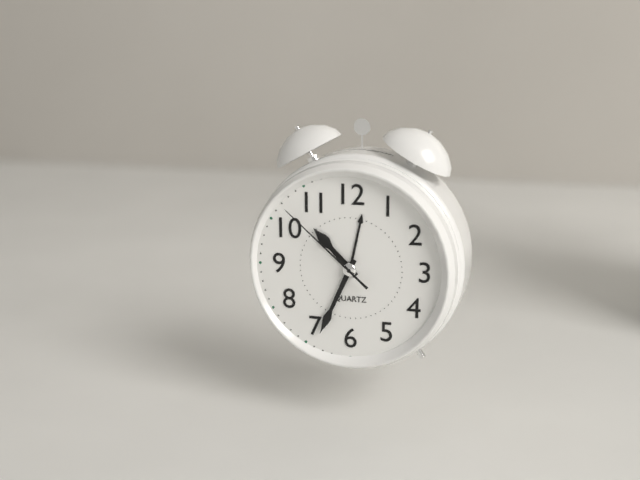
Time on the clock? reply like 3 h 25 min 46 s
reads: 10 h 34 min 52 s
